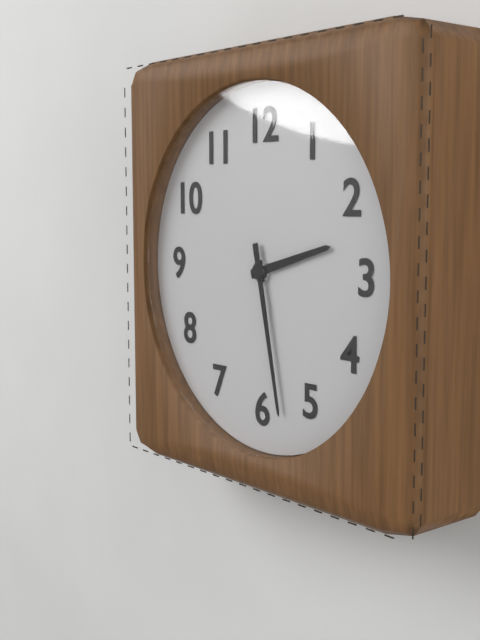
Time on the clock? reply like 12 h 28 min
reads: 2 h 28 min
